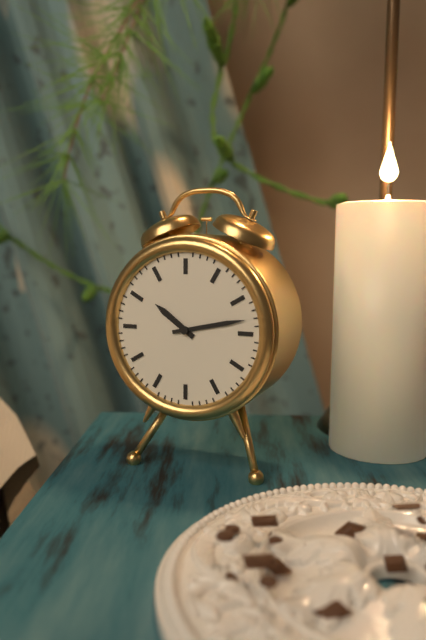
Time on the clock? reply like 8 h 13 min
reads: 10 h 13 min
